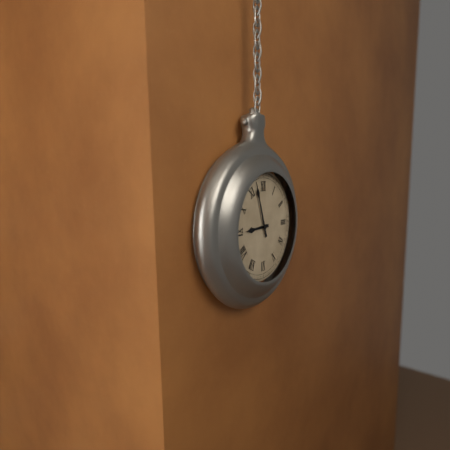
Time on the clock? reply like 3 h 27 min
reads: 8 h 57 min
